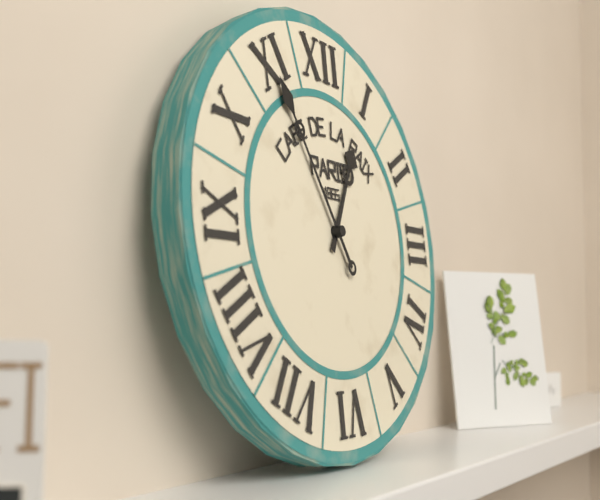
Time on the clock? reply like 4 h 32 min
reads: 12 h 55 min
